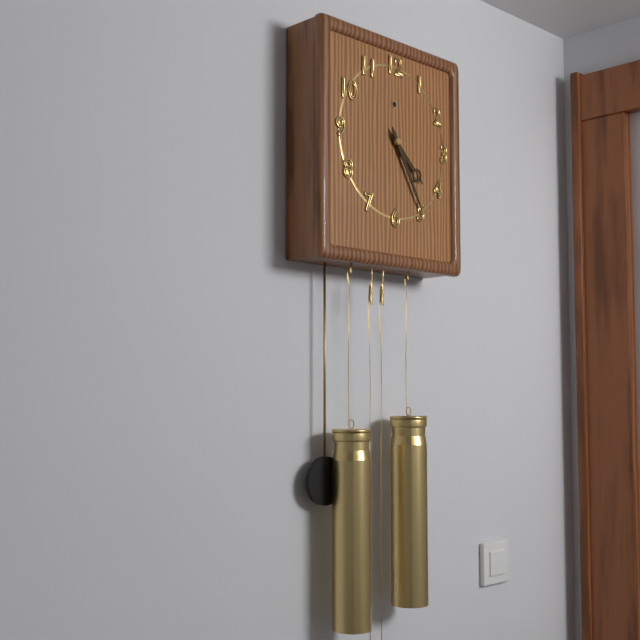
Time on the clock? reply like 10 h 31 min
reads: 4 h 25 min
